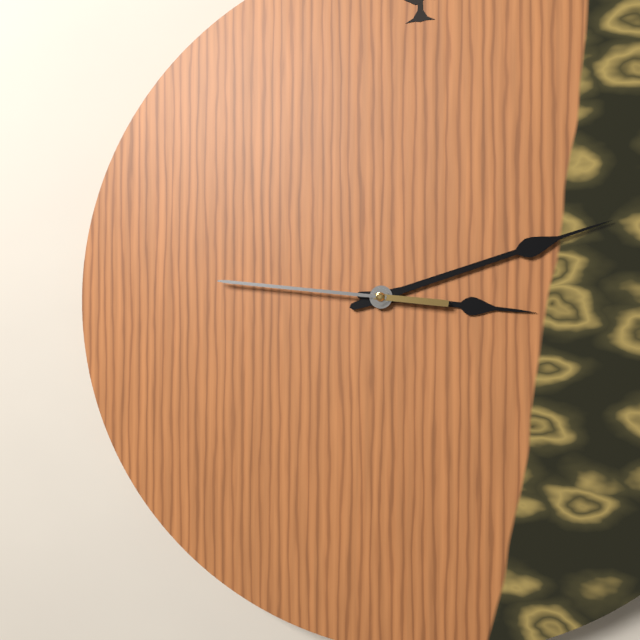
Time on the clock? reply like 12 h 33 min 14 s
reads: 3 h 12 min 46 s
